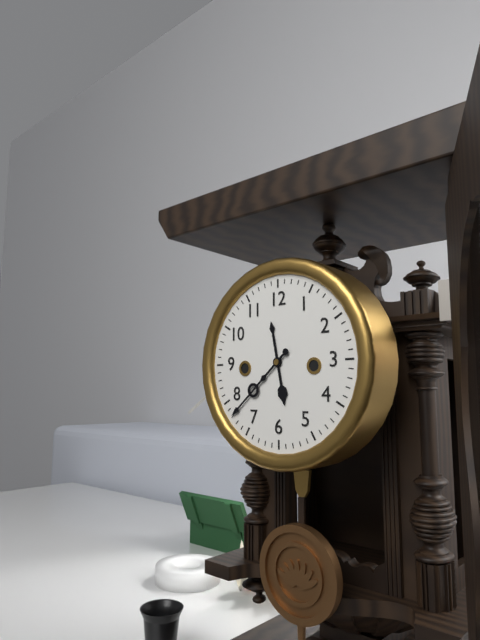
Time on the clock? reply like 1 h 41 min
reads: 5 h 38 min
